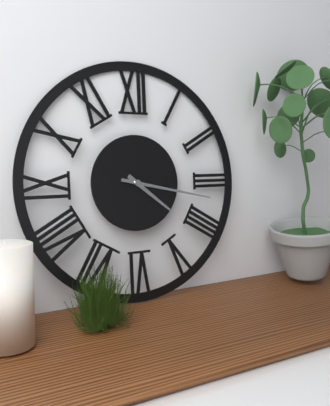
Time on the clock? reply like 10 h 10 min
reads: 4 h 17 min
